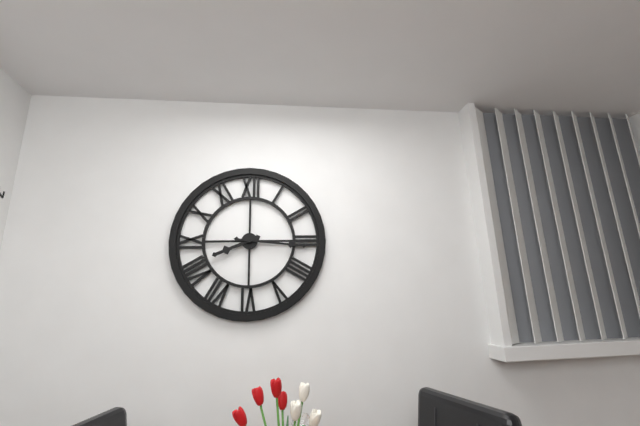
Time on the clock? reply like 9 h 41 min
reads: 8 h 16 min
